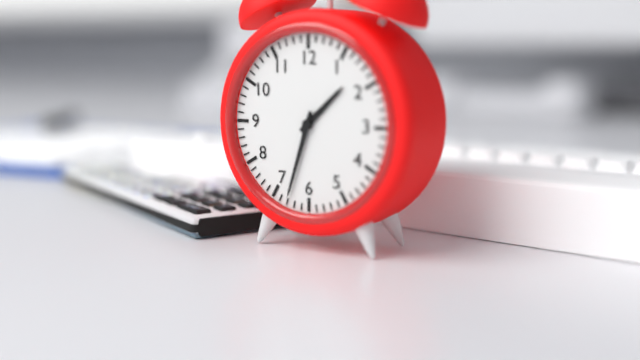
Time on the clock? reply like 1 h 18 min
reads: 1 h 33 min
